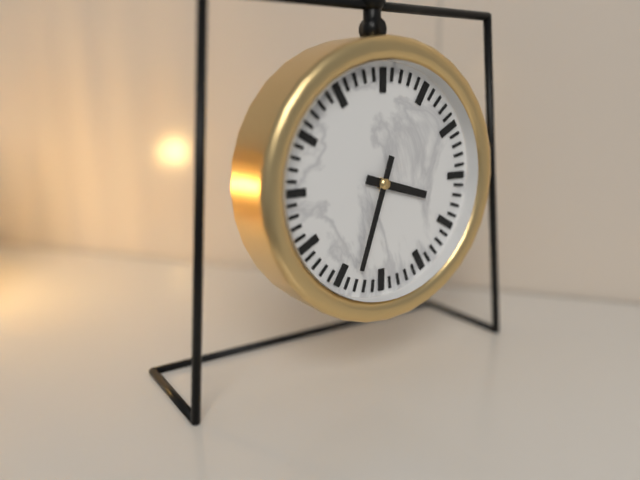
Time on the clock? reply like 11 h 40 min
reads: 3 h 33 min
